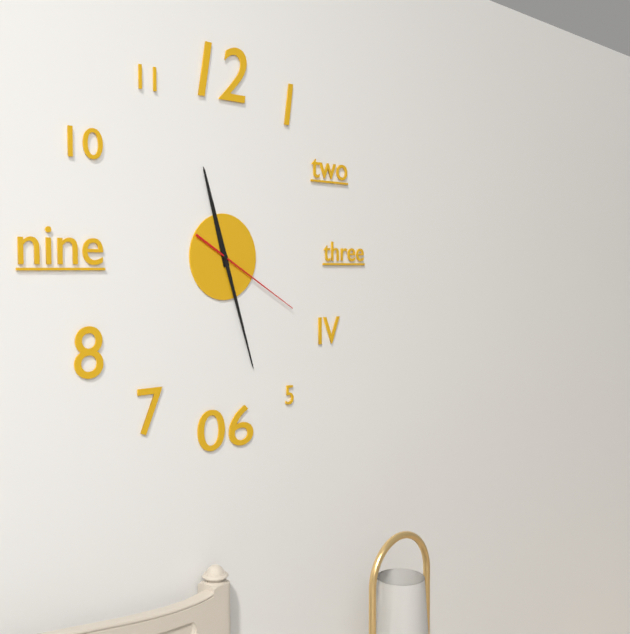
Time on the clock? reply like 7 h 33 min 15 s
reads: 11 h 27 min 20 s
